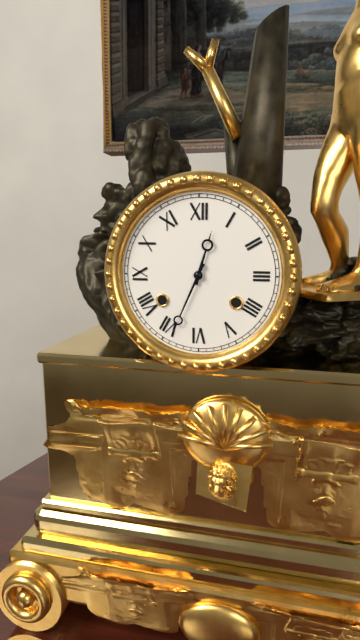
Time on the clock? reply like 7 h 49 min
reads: 12 h 34 min
